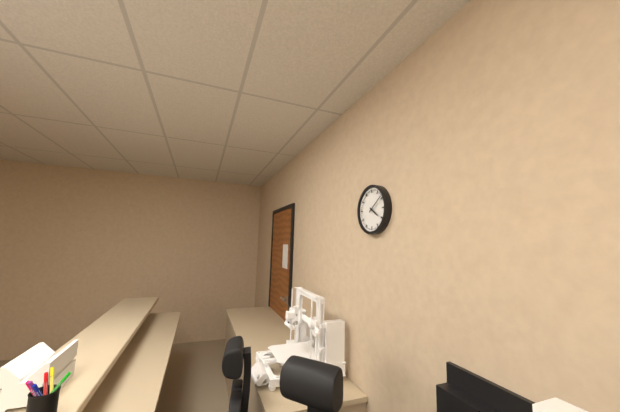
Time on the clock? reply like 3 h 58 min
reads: 4 h 09 min
